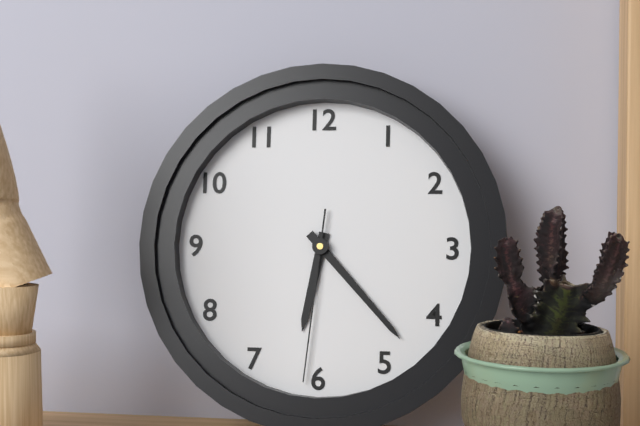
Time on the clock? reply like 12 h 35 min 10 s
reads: 6 h 23 min 31 s
